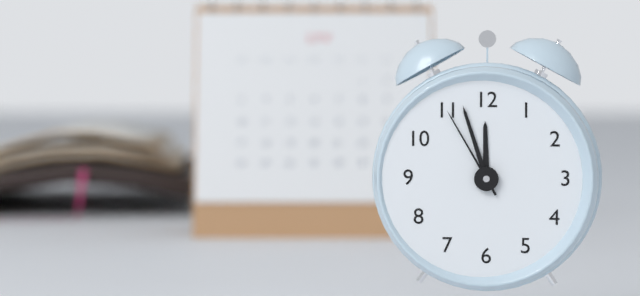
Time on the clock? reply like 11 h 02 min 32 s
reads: 11 h 57 min 55 s
